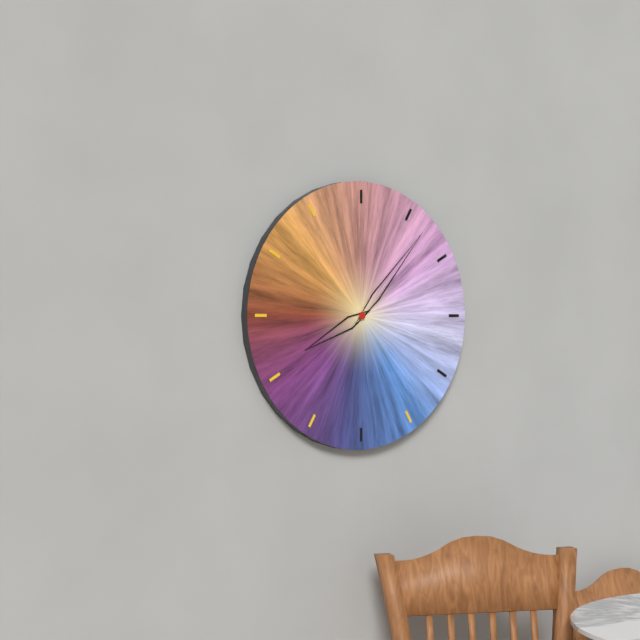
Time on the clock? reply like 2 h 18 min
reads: 8 h 07 min
